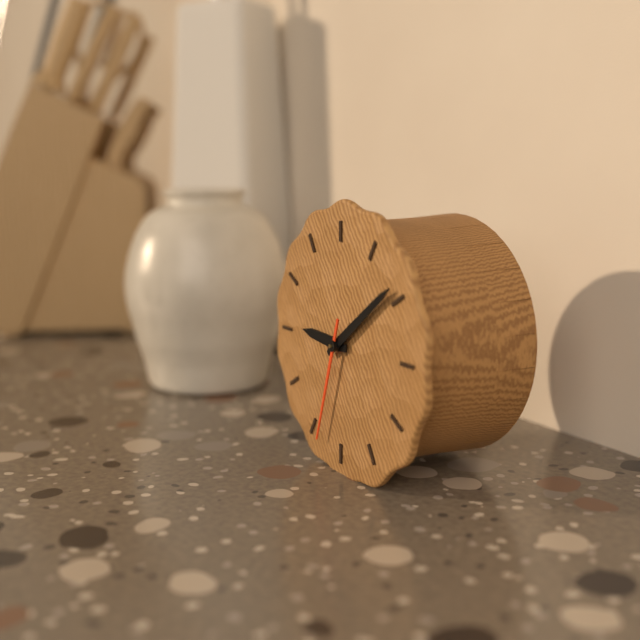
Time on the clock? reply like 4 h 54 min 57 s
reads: 9 h 09 min 33 s
